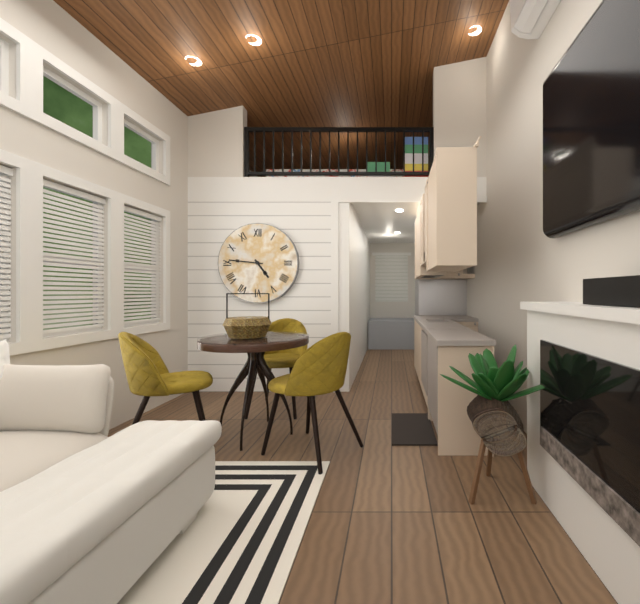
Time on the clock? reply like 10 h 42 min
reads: 4 h 46 min
